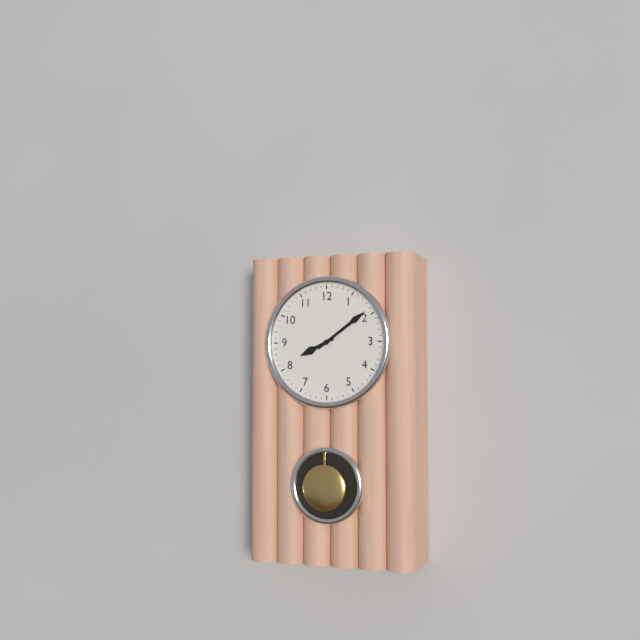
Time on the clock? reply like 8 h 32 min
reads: 8 h 09 min
